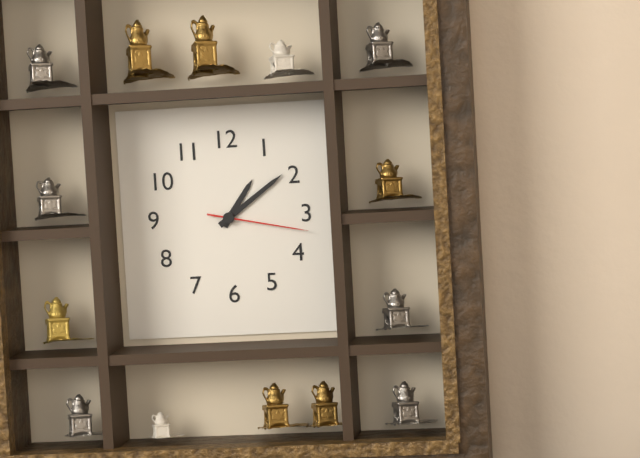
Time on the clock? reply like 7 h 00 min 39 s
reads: 1 h 09 min 17 s
